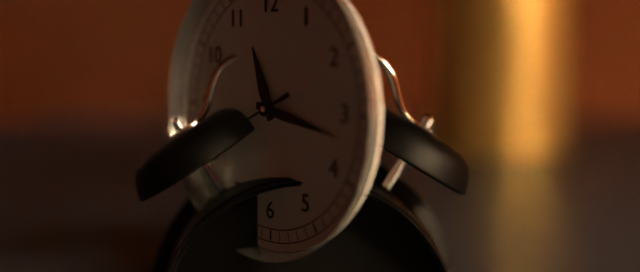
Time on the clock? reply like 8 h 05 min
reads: 11 h 17 min
